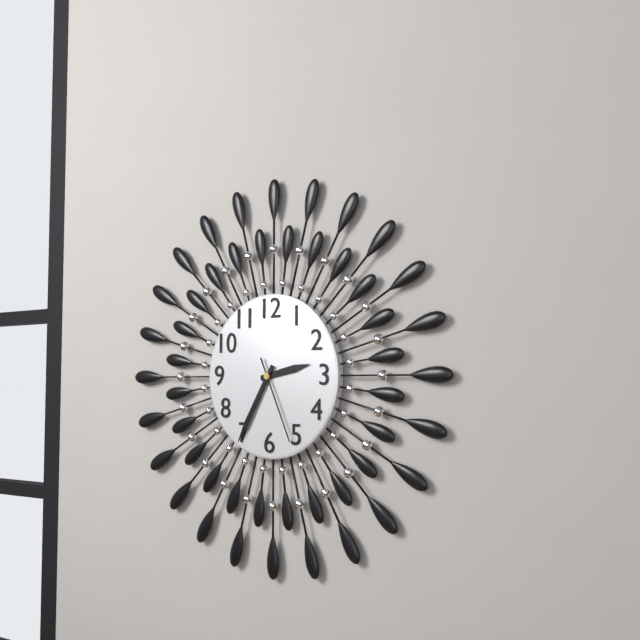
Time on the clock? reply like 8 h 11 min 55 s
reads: 2 h 35 min 26 s
